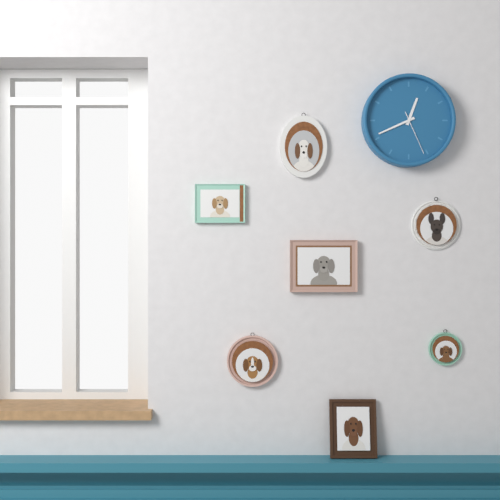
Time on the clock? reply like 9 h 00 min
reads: 12 h 41 min
